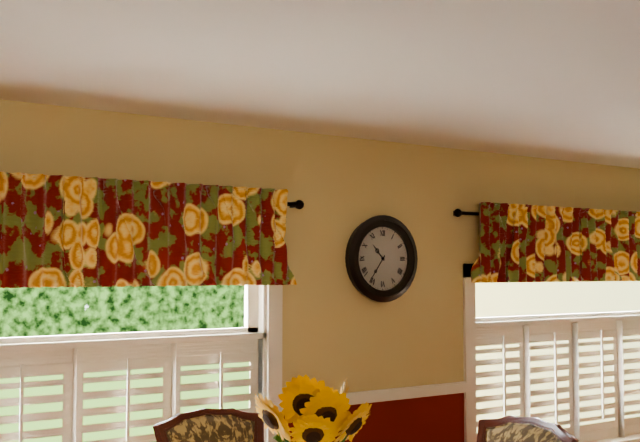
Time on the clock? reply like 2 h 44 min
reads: 10 h 36 min
